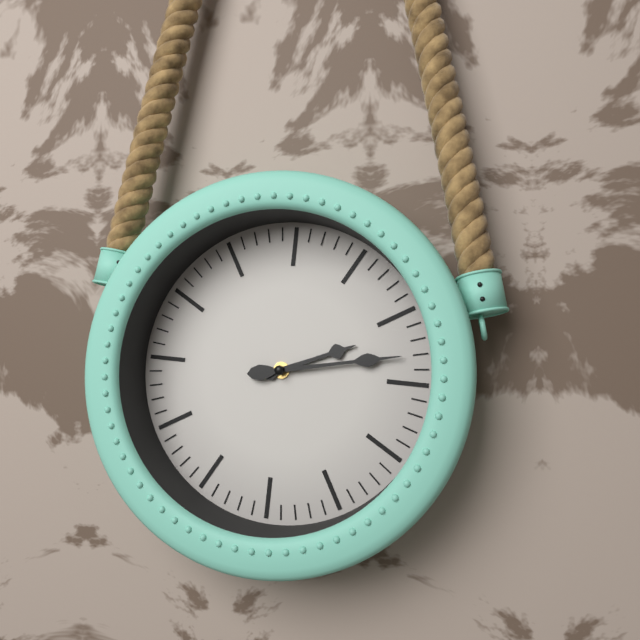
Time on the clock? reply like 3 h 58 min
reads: 2 h 13 min
